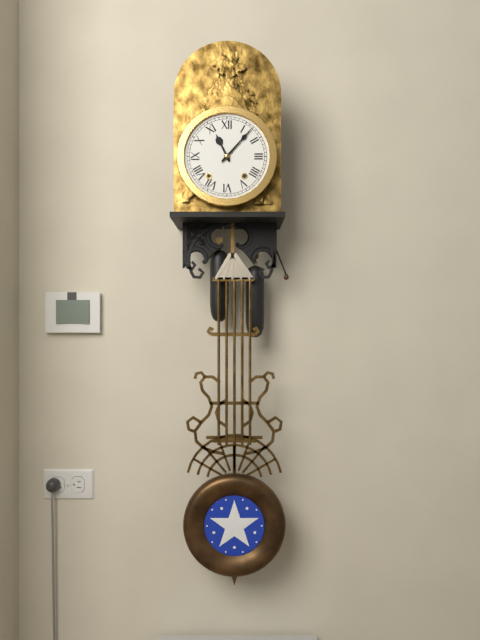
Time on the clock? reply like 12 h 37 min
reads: 11 h 07 min
